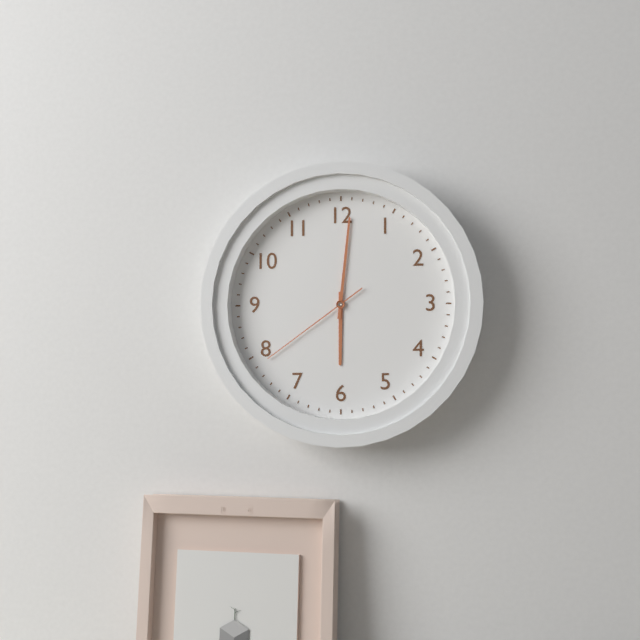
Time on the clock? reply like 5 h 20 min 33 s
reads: 6 h 01 min 39 s
